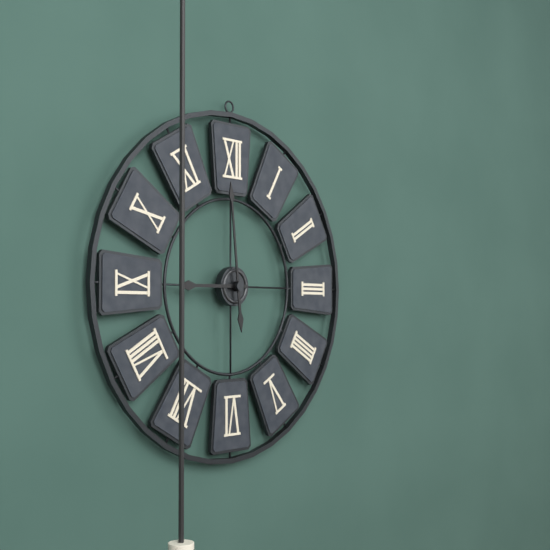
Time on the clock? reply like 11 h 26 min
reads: 8 h 59 min
